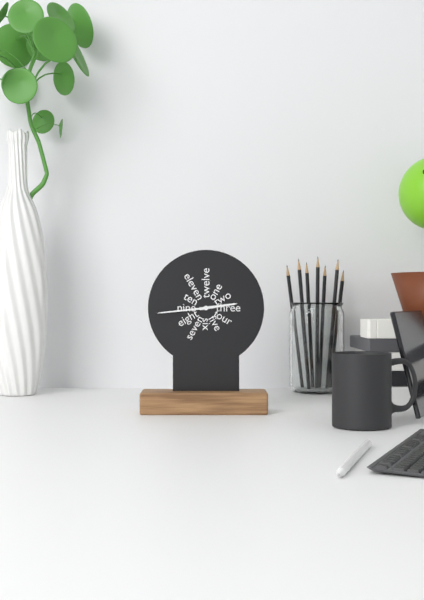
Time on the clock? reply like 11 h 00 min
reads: 2 h 44 min
